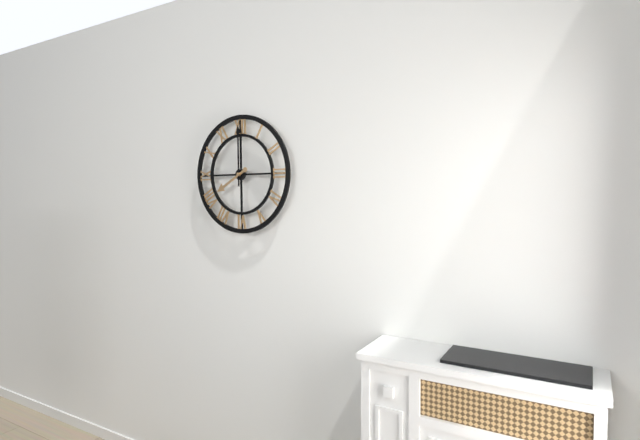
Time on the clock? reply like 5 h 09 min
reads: 8 h 00 min
